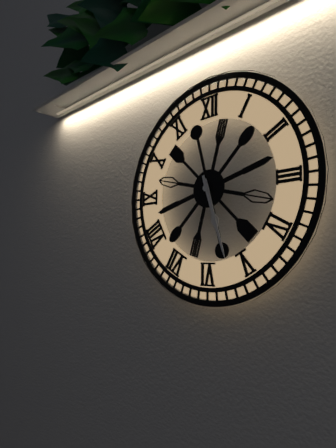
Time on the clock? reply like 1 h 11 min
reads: 5 h 27 min
